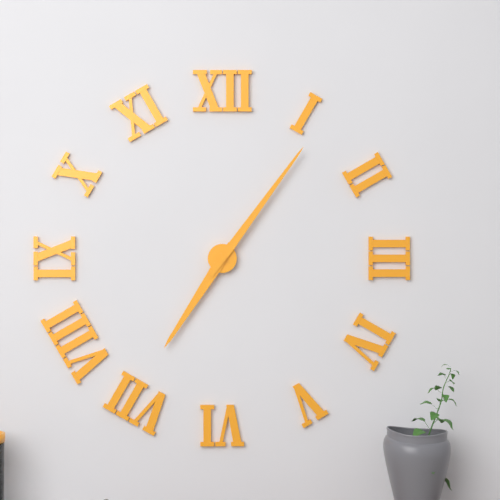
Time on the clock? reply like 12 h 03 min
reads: 7 h 06 min
